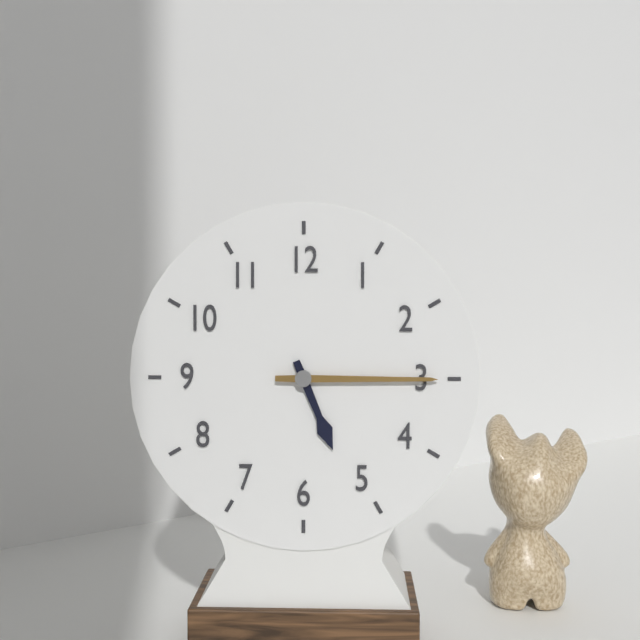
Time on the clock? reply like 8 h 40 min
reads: 5 h 15 min
